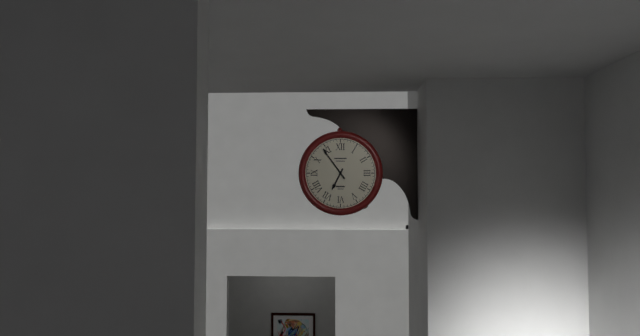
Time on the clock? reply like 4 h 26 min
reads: 6 h 54 min
